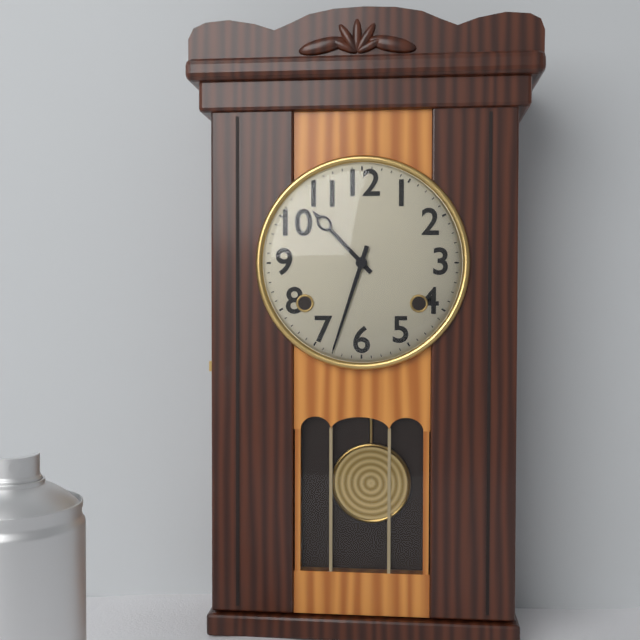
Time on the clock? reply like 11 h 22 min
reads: 10 h 33 min
